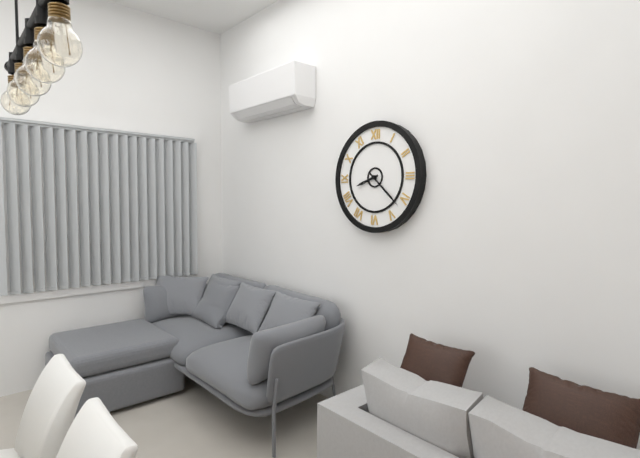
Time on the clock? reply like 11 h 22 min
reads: 8 h 22 min
